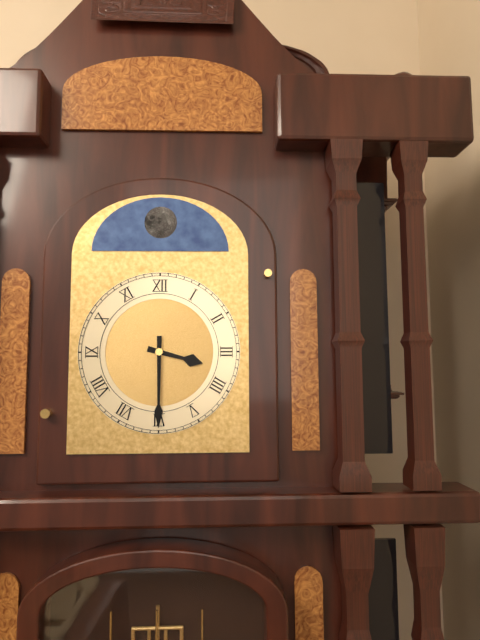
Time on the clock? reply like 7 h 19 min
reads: 3 h 30 min
